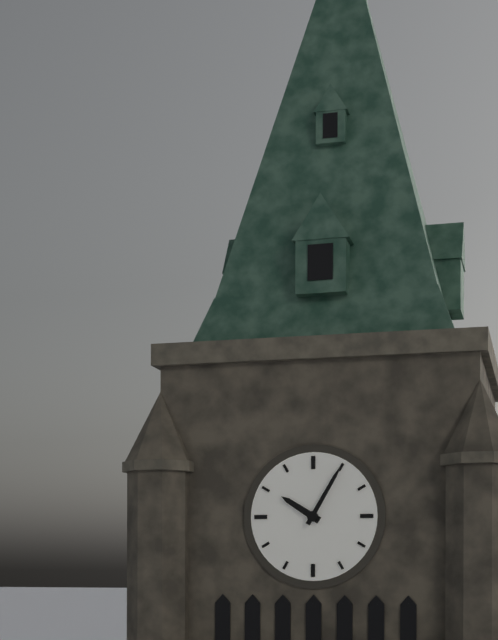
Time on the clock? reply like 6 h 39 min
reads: 10 h 05 min
